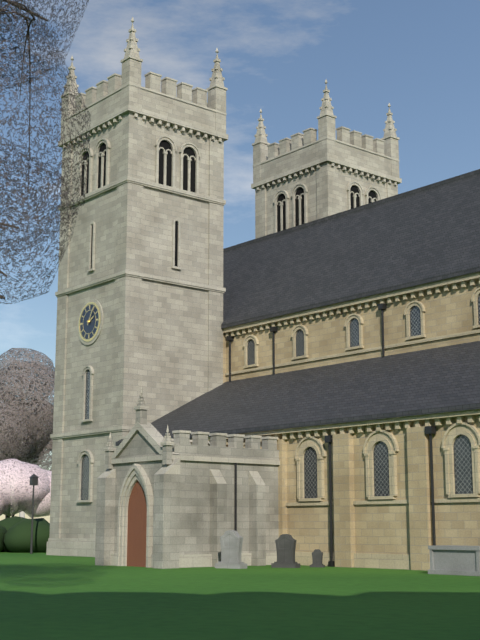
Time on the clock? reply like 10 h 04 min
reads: 2 h 05 min
